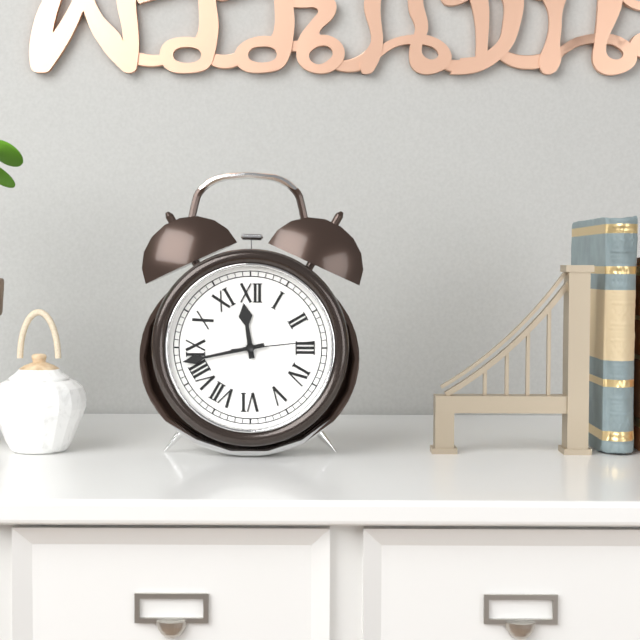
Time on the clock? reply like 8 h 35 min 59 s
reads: 11 h 43 min 14 s
